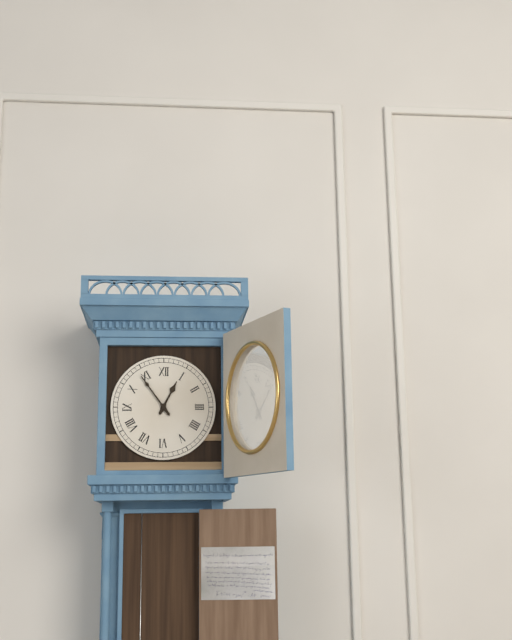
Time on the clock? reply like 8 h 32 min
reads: 12 h 54 min
